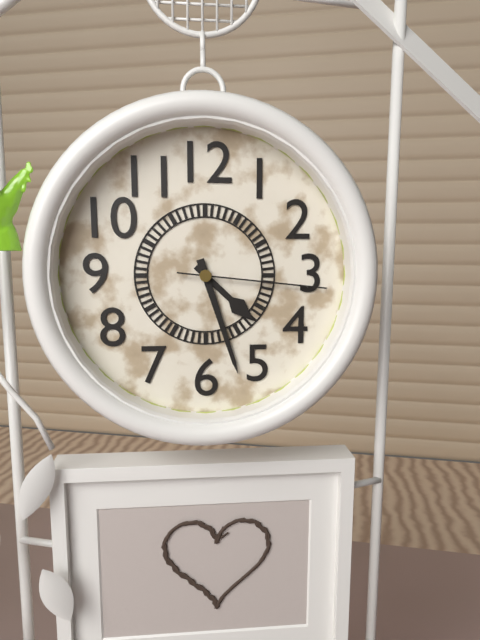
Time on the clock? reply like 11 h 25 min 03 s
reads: 4 h 27 min 16 s
